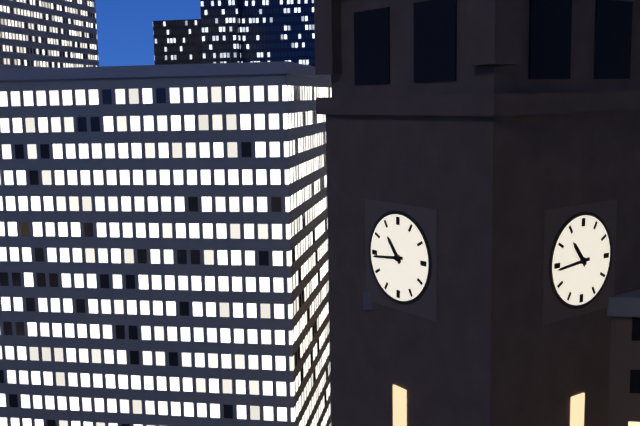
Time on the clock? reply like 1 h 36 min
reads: 10 h 44 min
